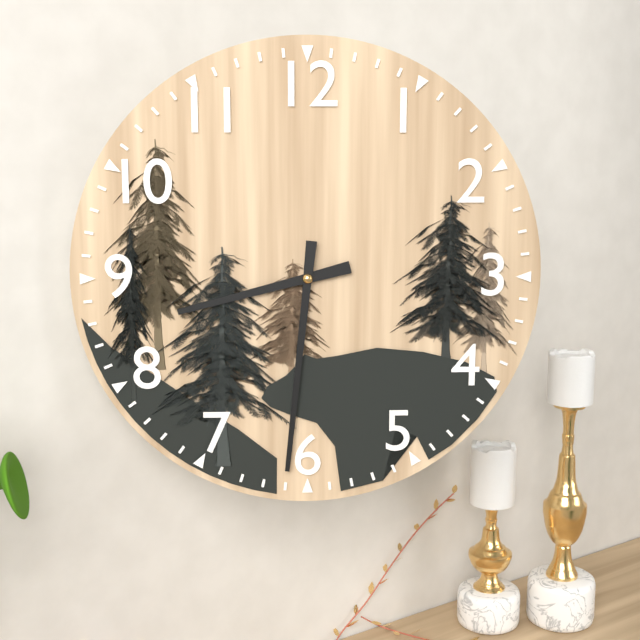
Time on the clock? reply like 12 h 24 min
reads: 8 h 31 min
